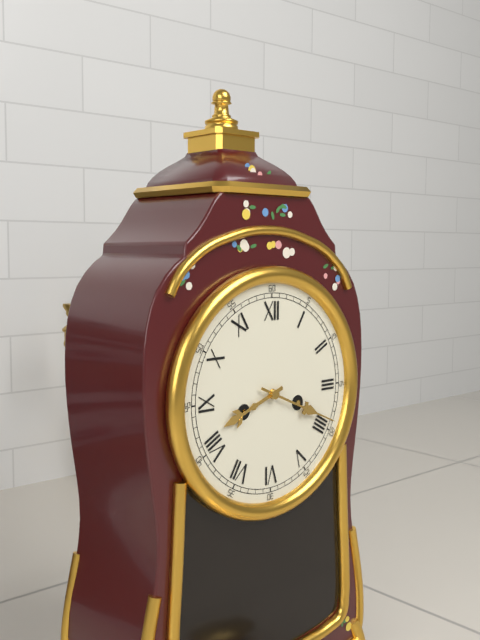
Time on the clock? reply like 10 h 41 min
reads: 8 h 19 min
